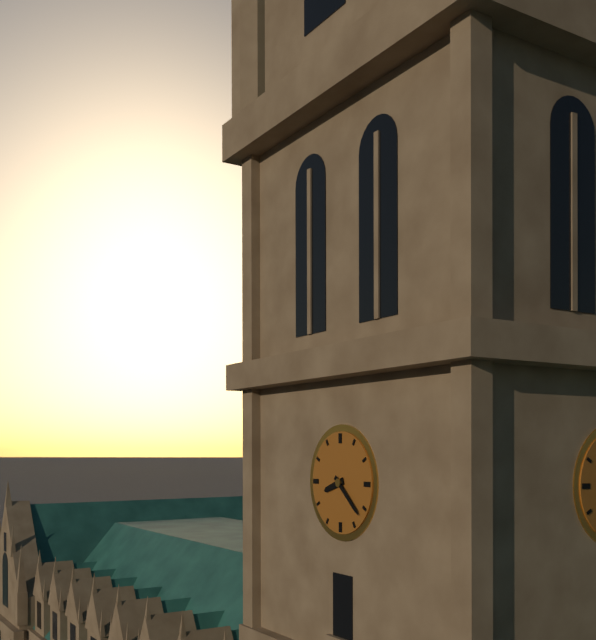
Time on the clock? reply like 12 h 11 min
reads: 8 h 22 min
